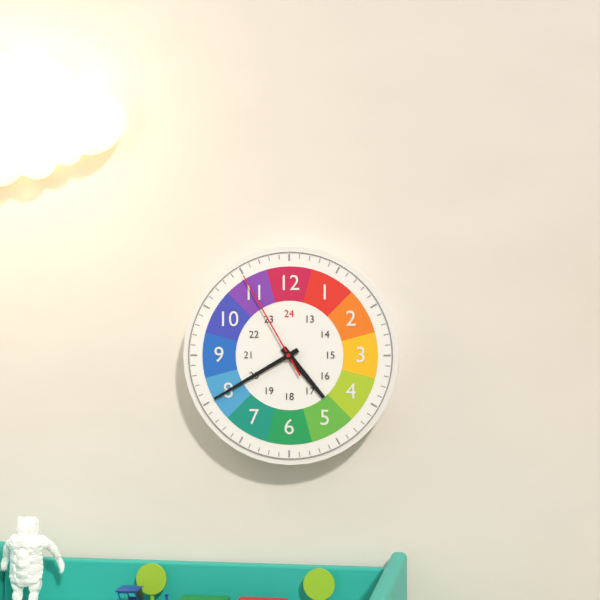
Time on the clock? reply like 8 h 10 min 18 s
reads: 4 h 40 min 55 s
